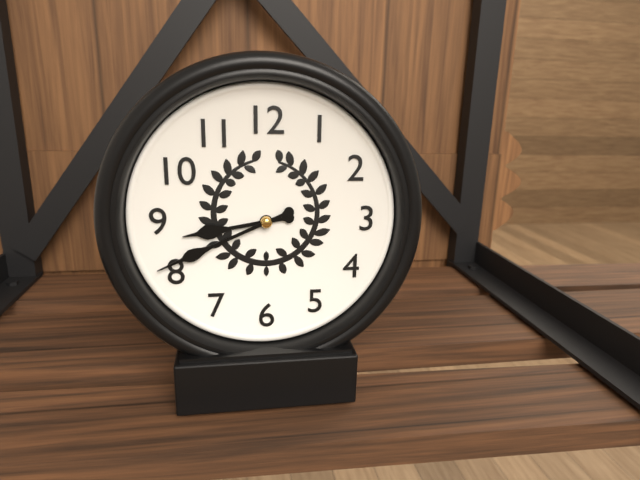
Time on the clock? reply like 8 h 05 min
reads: 8 h 41 min
